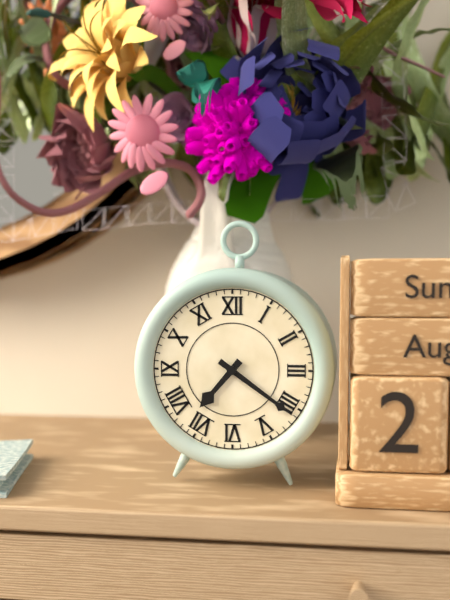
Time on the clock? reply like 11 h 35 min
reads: 7 h 21 min
